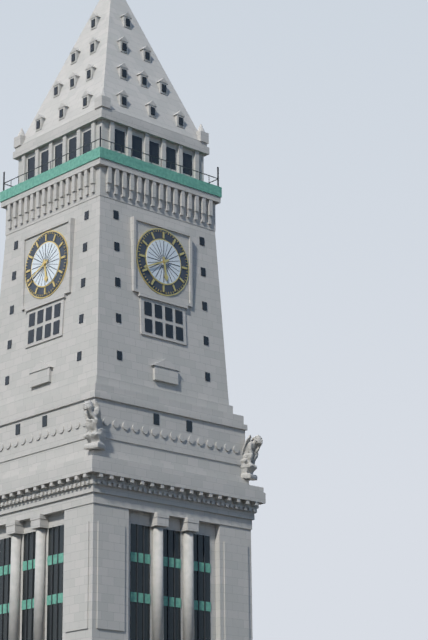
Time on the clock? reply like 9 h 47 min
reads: 5 h 41 min
